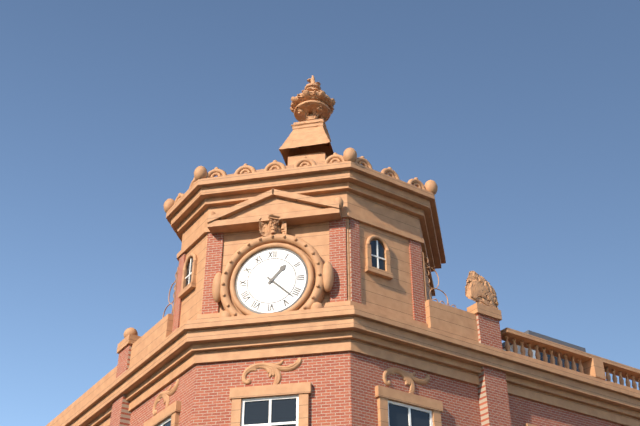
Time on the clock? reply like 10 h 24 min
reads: 1 h 22 min
